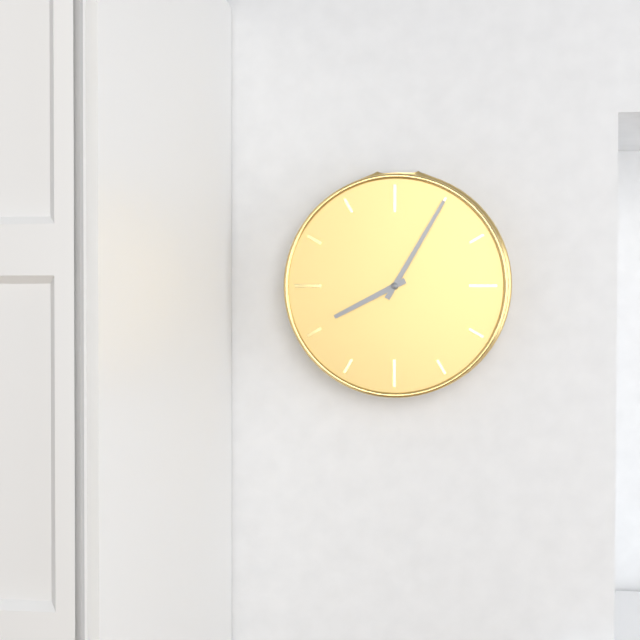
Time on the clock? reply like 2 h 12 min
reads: 8 h 05 min
